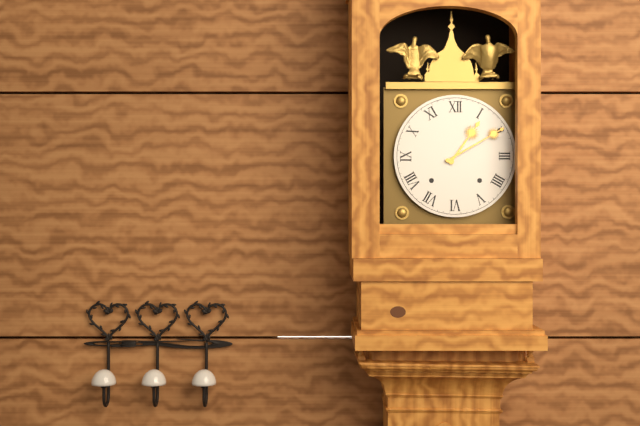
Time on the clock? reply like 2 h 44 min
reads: 1 h 10 min
